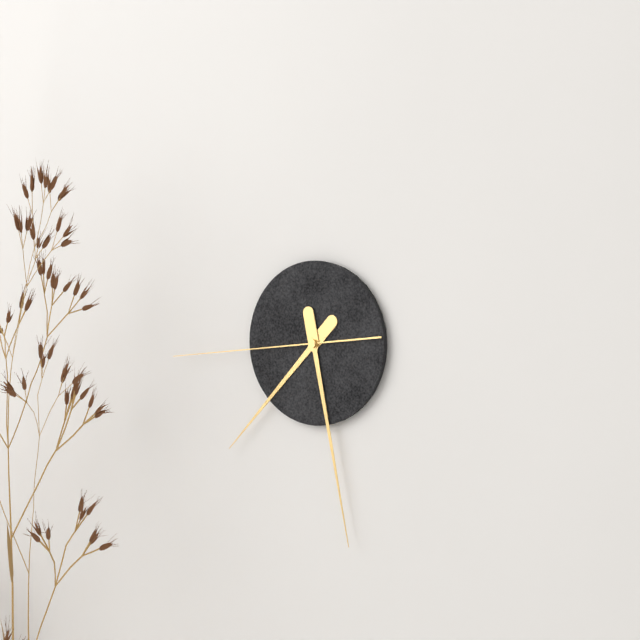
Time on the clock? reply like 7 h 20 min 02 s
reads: 7 h 28 min 44 s
